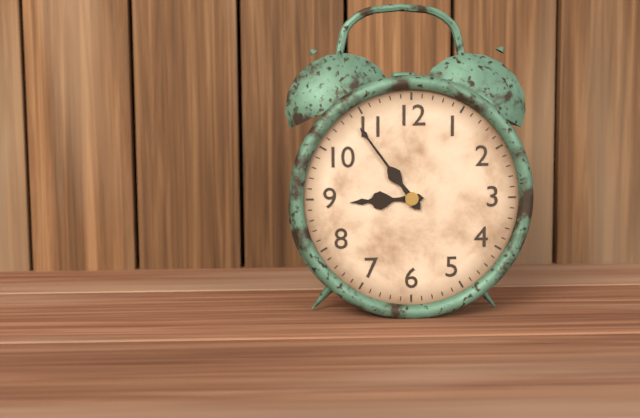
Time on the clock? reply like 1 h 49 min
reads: 8 h 54 min
